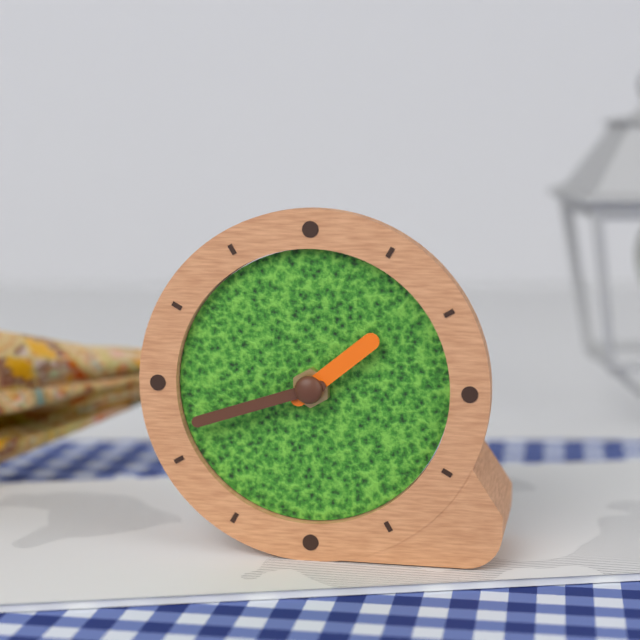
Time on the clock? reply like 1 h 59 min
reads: 1 h 42 min
